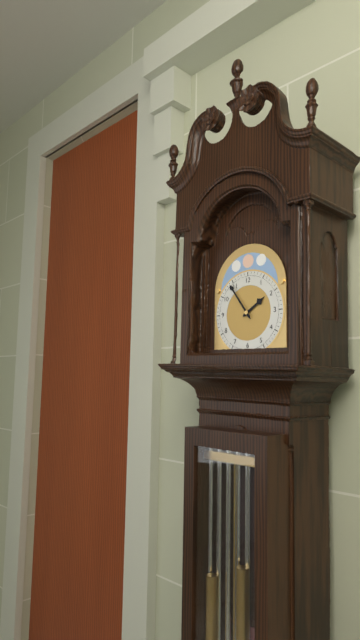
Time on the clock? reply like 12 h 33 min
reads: 1 h 54 min
